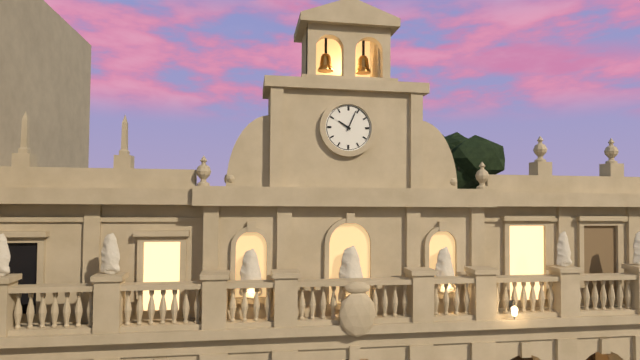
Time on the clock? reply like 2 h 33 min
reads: 10 h 04 min
